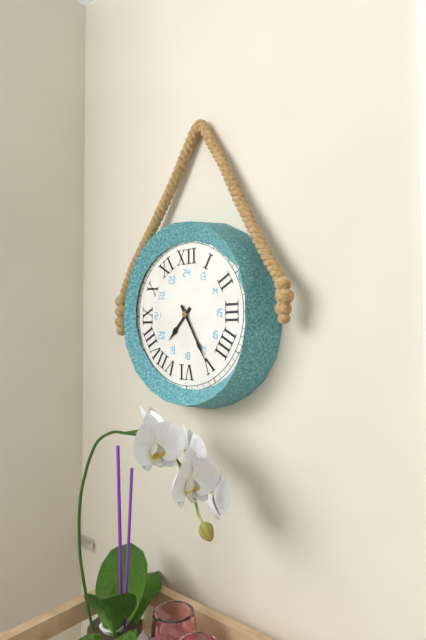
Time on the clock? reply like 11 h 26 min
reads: 7 h 25 min
